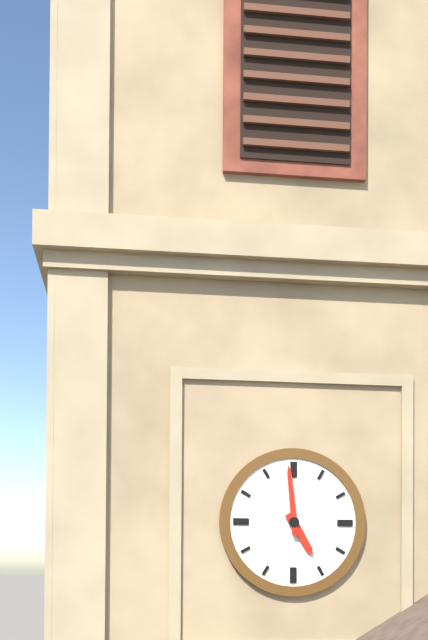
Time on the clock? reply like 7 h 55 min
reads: 4 h 59 min
